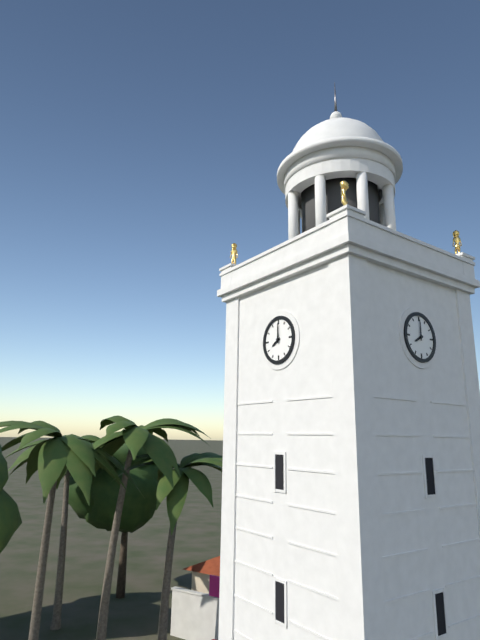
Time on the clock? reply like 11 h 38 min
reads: 8 h 00 min
